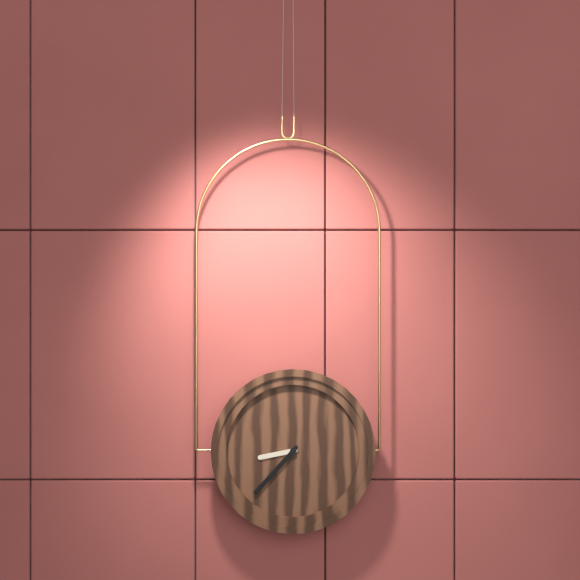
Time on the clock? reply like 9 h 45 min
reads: 8 h 37 min
